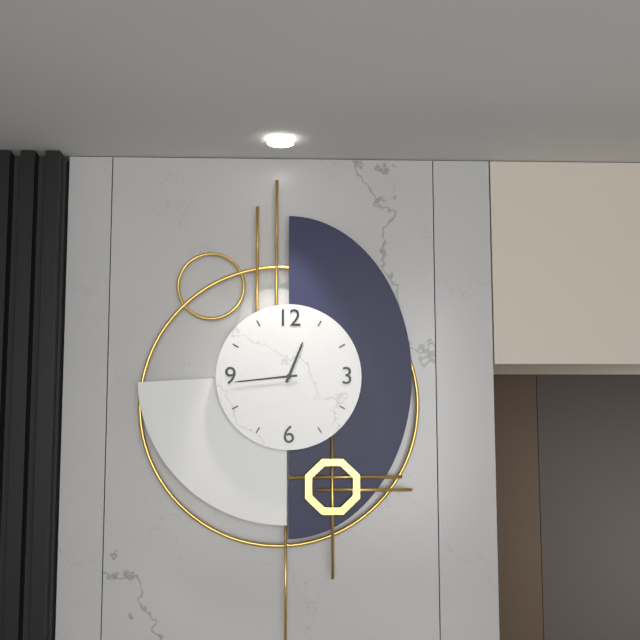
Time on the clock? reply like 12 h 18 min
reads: 12 h 44 min
